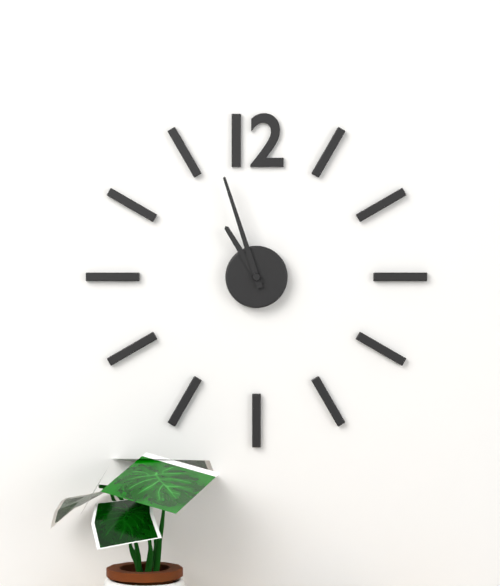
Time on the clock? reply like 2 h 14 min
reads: 10 h 57 min
